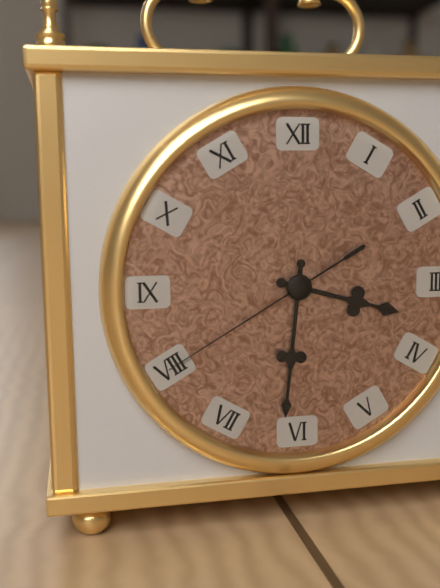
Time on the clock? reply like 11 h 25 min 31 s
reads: 3 h 31 min 40 s
